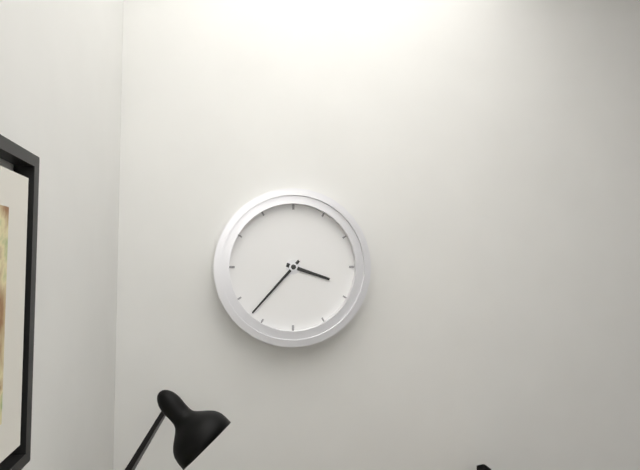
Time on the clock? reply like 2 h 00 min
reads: 3 h 37 min
